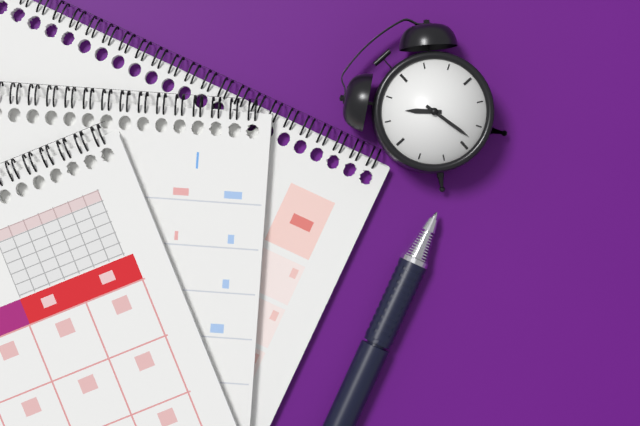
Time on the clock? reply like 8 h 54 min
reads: 10 h 28 min
